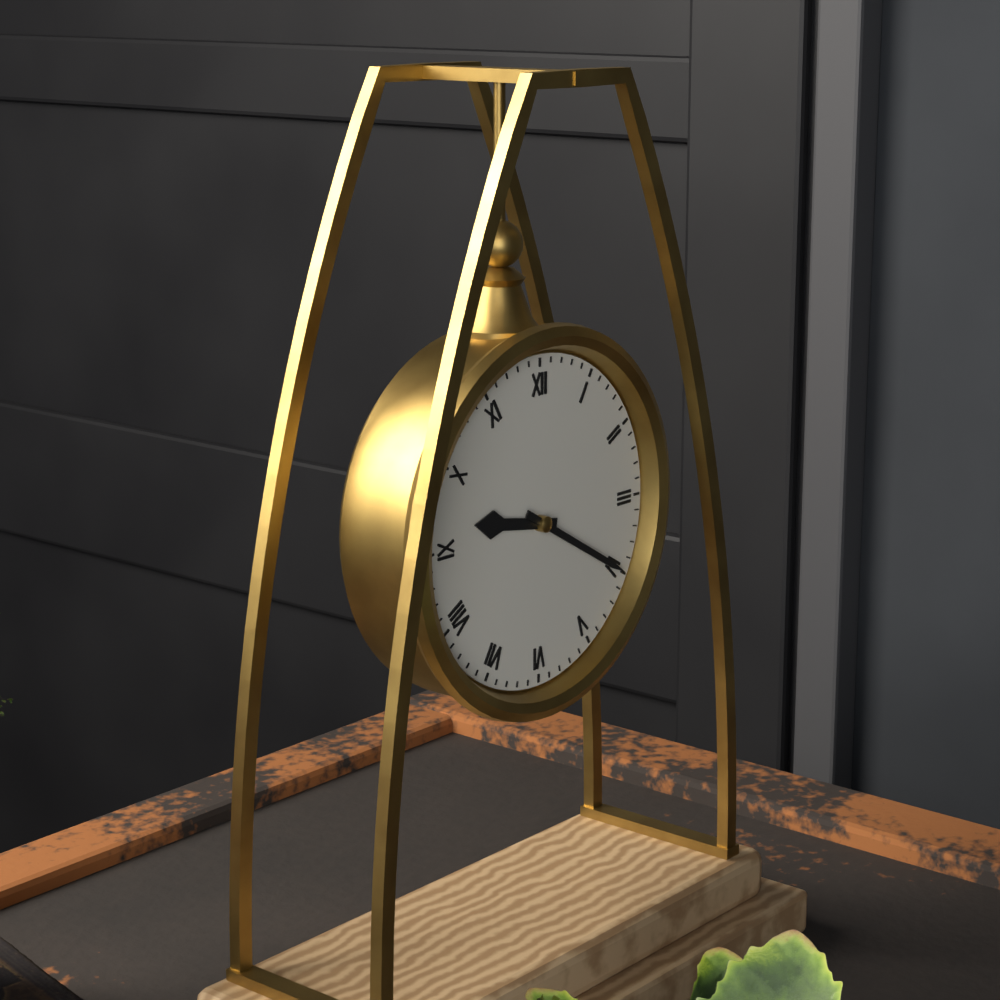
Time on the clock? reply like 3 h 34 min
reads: 9 h 20 min
